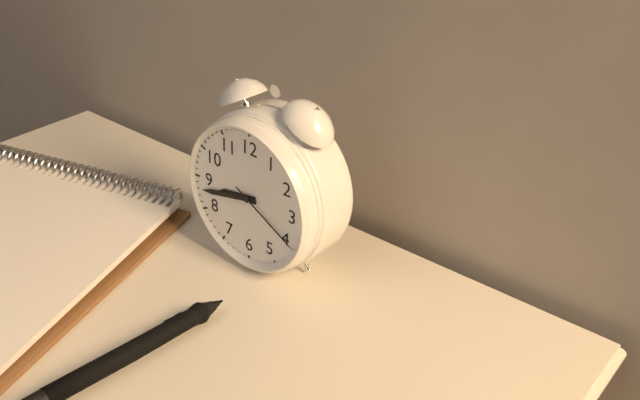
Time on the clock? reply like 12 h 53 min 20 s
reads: 8 h 43 min 20 s
